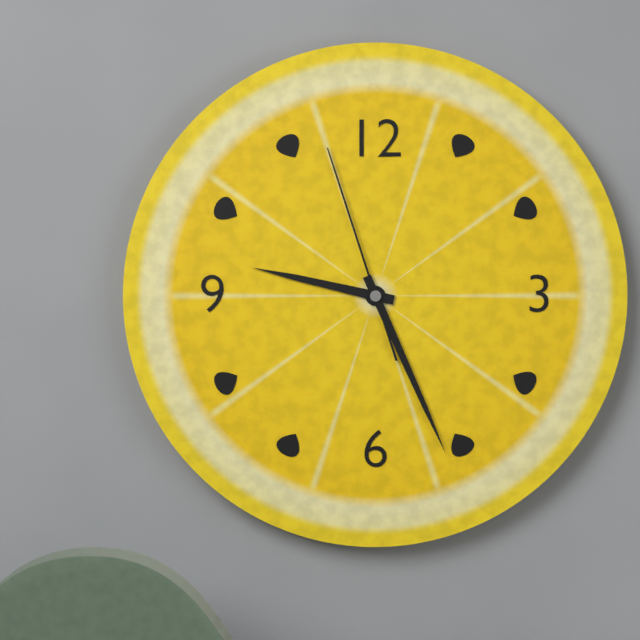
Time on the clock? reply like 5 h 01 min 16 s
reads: 9 h 26 min 57 s
